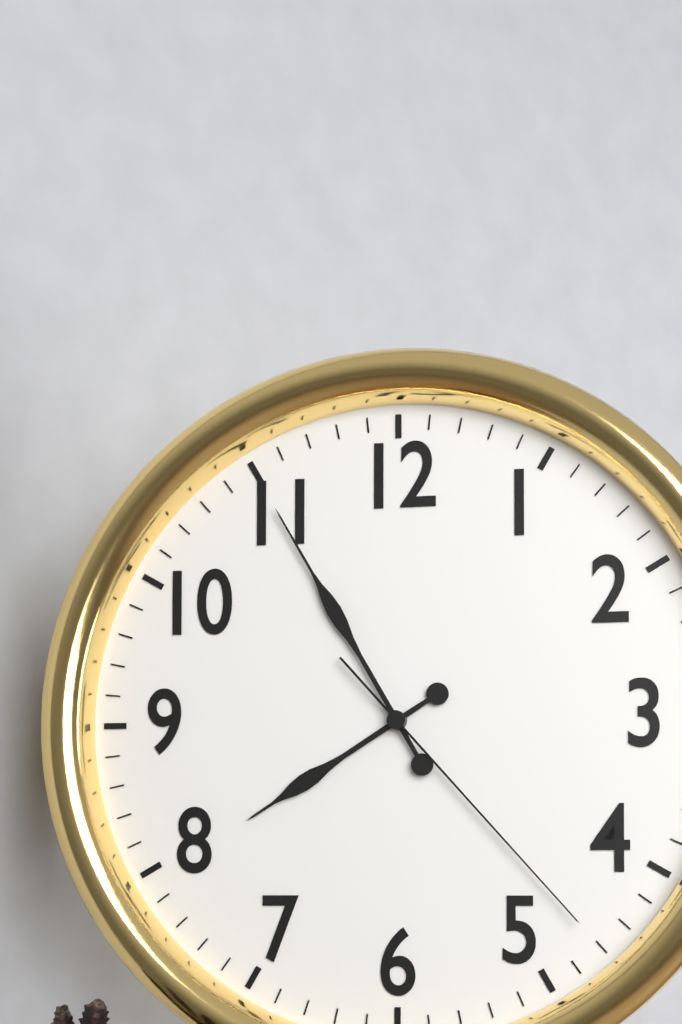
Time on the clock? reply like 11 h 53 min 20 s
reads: 7 h 55 min 23 s
